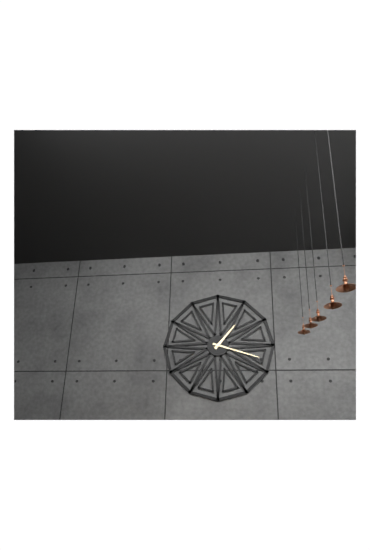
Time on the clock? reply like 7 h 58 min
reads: 1 h 18 min
